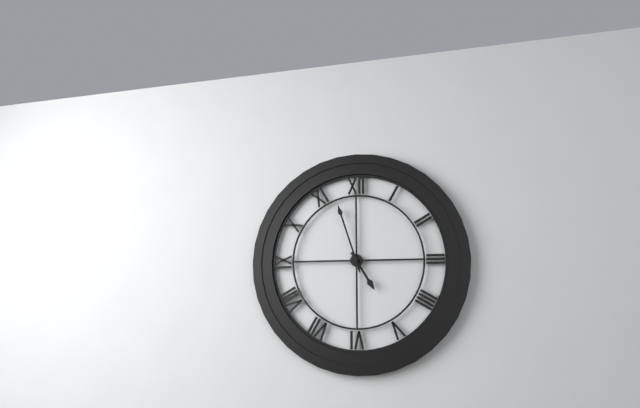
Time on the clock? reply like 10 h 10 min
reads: 4 h 57 min
